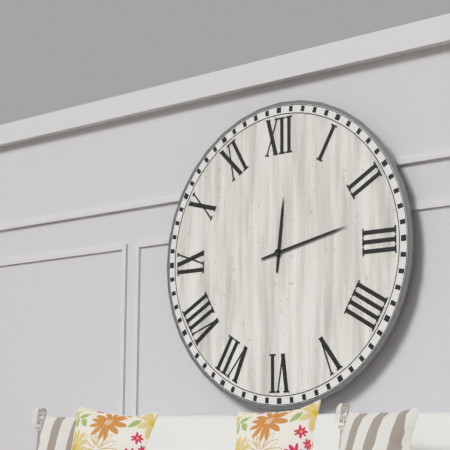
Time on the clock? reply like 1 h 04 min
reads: 12 h 13 min
